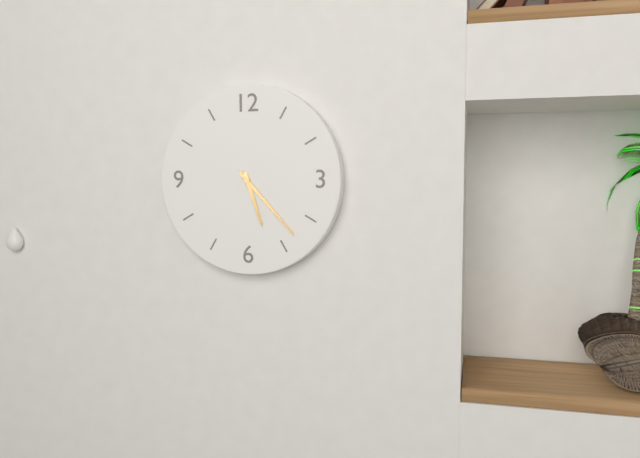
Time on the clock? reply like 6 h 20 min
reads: 5 h 23 min
